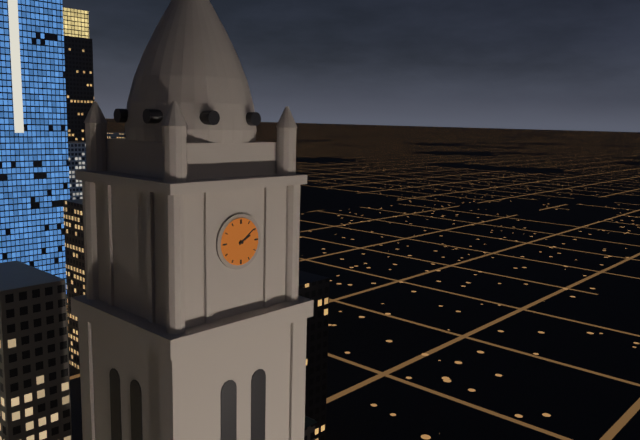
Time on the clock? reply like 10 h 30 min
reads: 2 h 09 min
